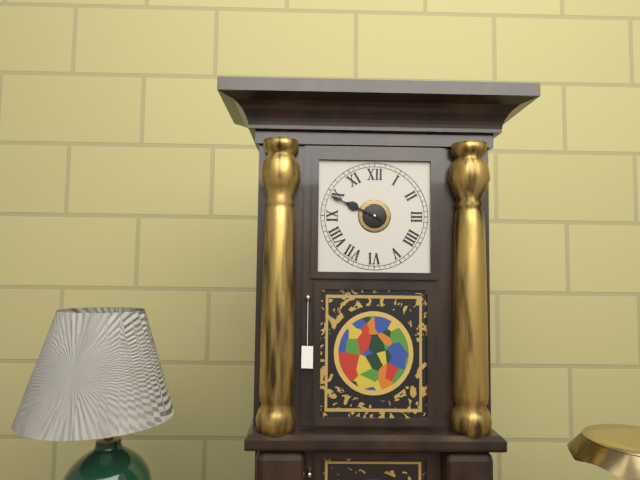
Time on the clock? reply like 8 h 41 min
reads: 9 h 49 min
